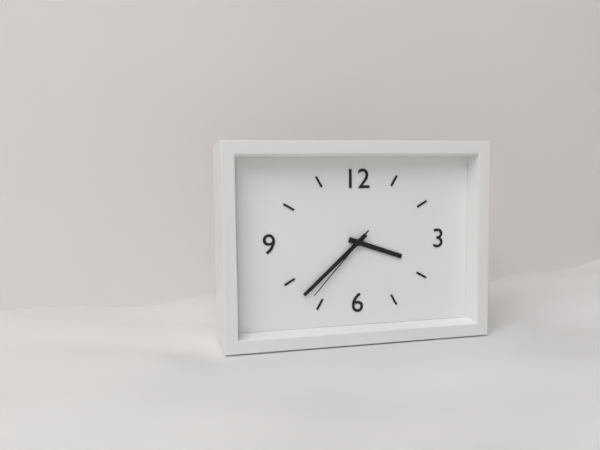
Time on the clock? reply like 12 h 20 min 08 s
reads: 3 h 38 min 37 s
